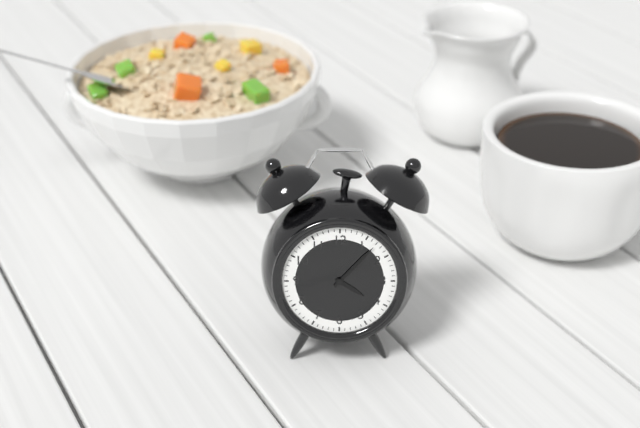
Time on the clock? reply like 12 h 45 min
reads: 4 h 07 min
